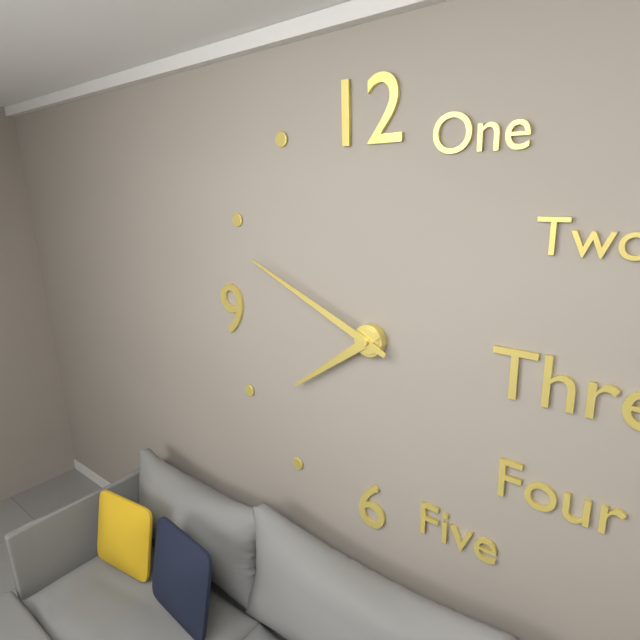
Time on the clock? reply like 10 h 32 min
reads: 7 h 49 min
